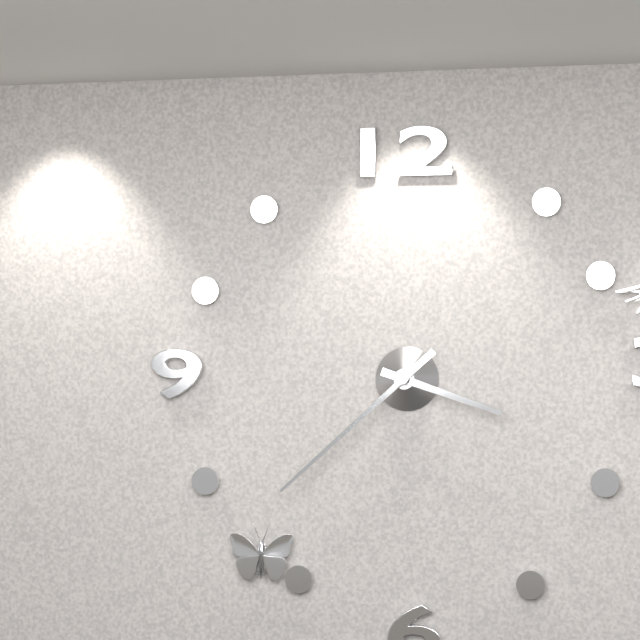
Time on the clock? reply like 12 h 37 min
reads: 3 h 38 min
